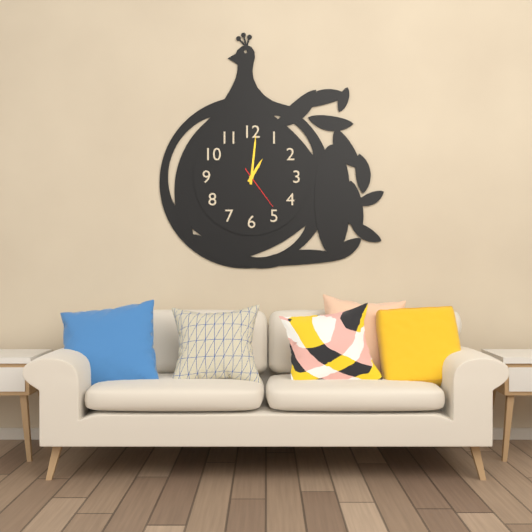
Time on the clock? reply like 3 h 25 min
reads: 1 h 01 min
